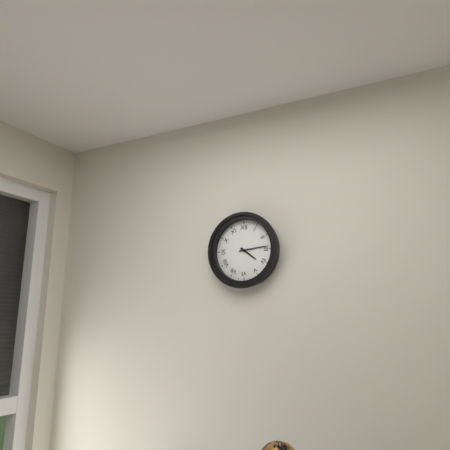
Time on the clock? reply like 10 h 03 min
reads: 4 h 14 min
